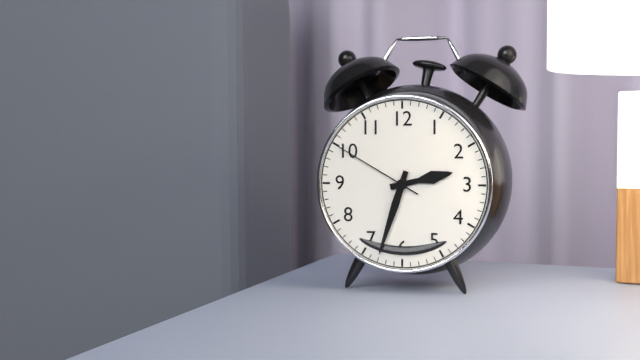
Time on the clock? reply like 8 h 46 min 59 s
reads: 2 h 33 min 50 s
